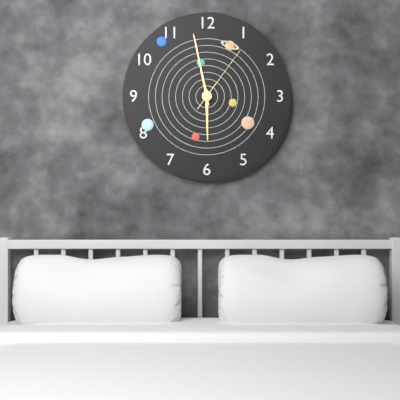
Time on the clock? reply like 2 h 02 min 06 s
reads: 5 h 58 min 06 s
